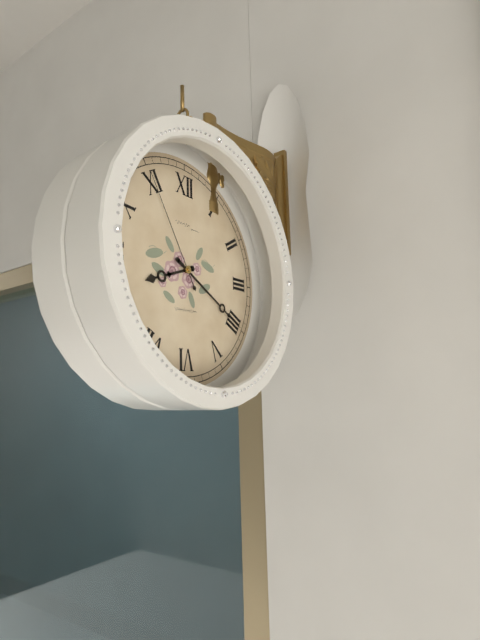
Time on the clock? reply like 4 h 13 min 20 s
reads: 8 h 20 min 55 s
